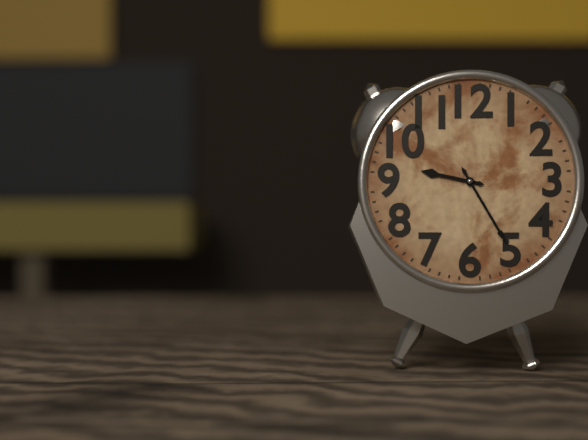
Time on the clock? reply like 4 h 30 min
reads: 9 h 25 min
